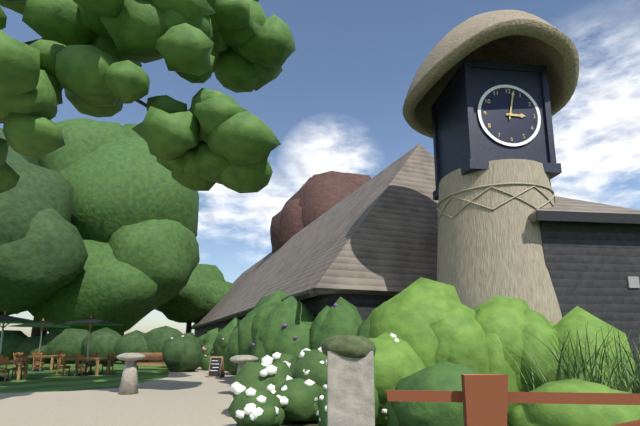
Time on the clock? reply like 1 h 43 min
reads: 3 h 02 min
